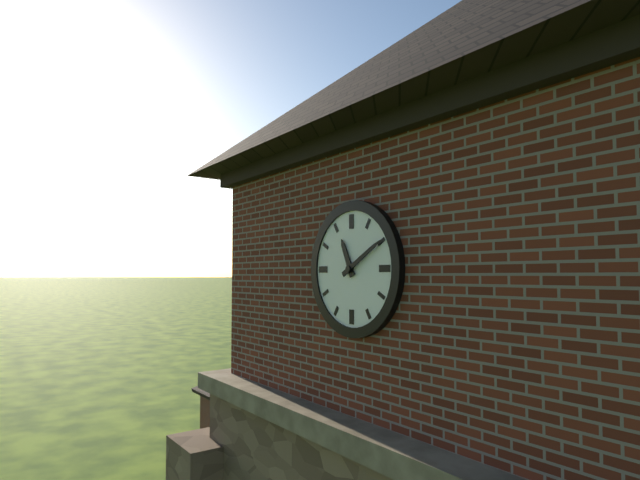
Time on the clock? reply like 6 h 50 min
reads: 11 h 10 min
